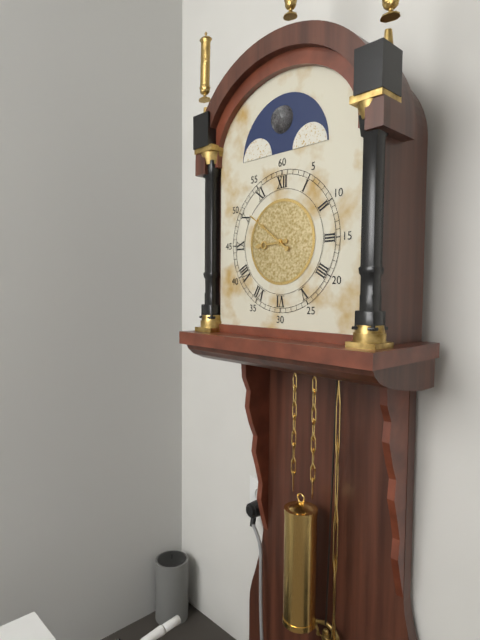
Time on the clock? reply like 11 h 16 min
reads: 8 h 51 min
